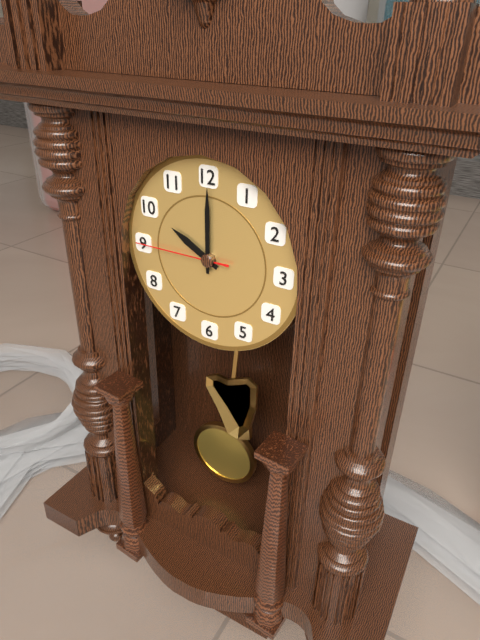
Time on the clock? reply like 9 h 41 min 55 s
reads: 10 h 00 min 45 s
